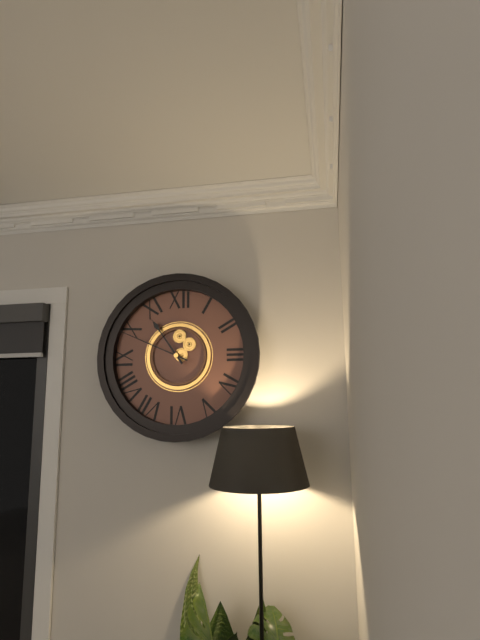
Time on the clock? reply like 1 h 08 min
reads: 10 h 49 min
